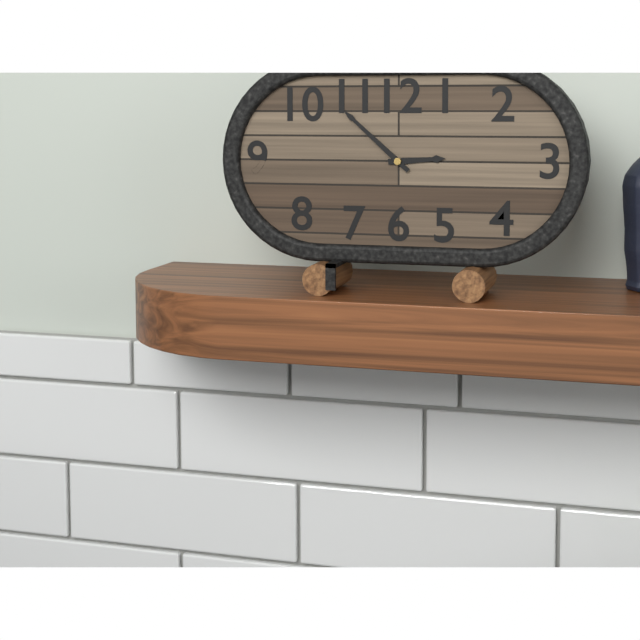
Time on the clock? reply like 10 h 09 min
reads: 2 h 52 min
